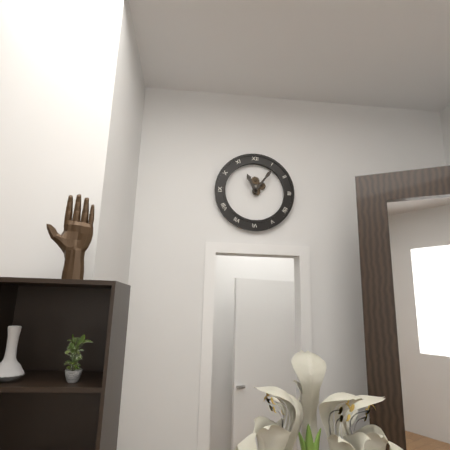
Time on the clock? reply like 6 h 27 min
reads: 11 h 06 min
